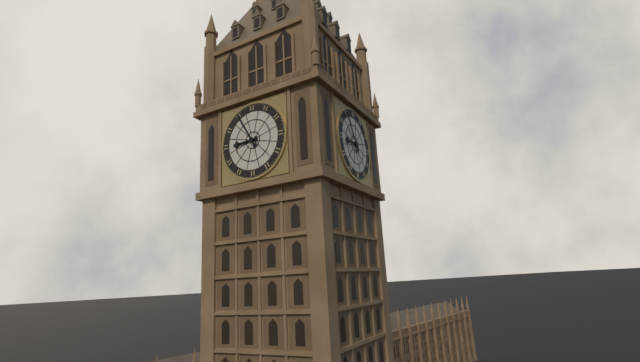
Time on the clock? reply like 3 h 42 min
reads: 8 h 55 min
